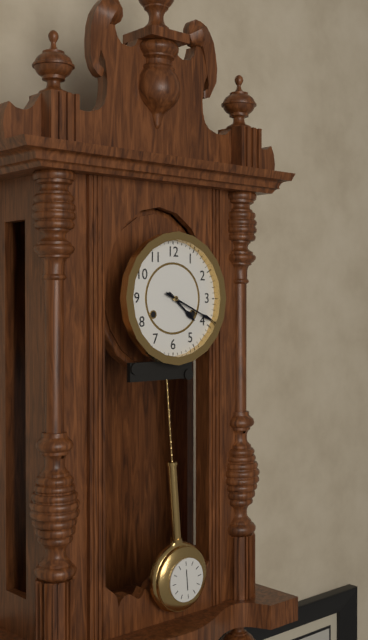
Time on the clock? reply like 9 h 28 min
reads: 4 h 19 min
